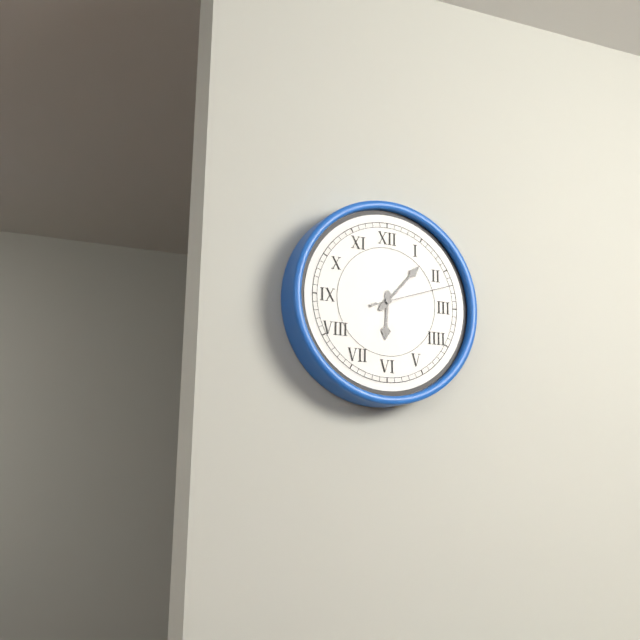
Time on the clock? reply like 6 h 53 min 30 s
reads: 6 h 07 min 12 s
